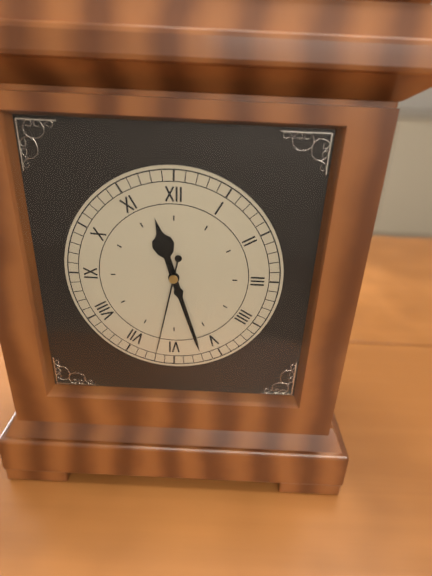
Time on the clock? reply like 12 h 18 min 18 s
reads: 11 h 27 min 32 s
